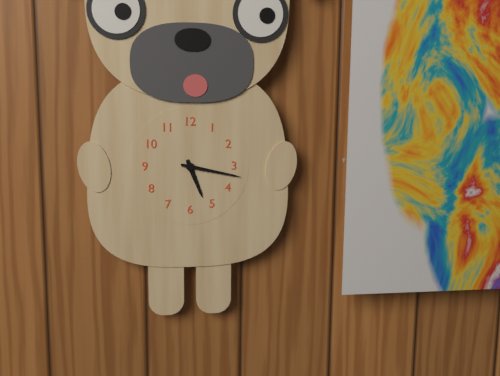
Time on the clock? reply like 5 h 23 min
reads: 5 h 17 min
